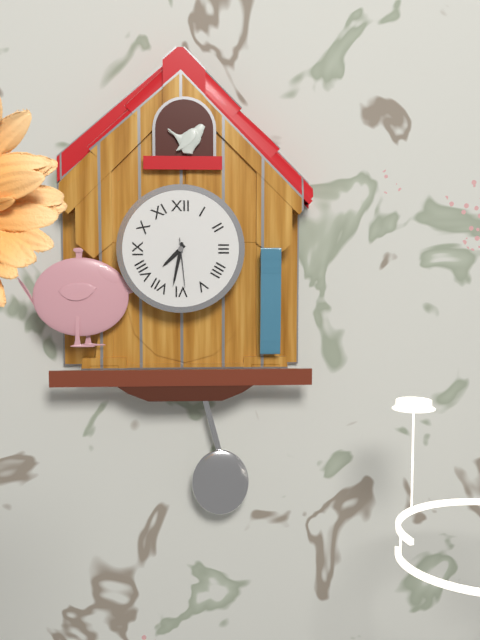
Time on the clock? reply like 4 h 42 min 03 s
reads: 7 h 32 min 29 s
